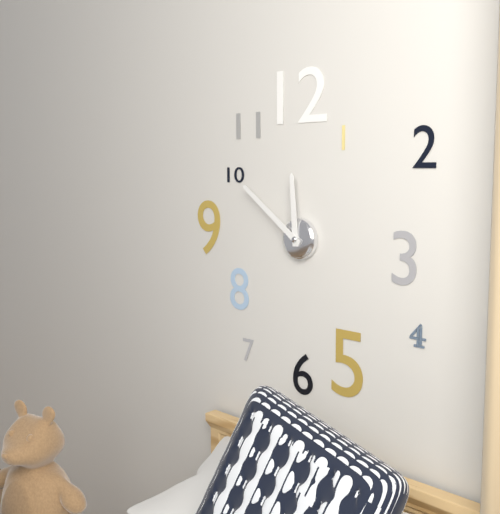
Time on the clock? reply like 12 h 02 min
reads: 11 h 51 min
